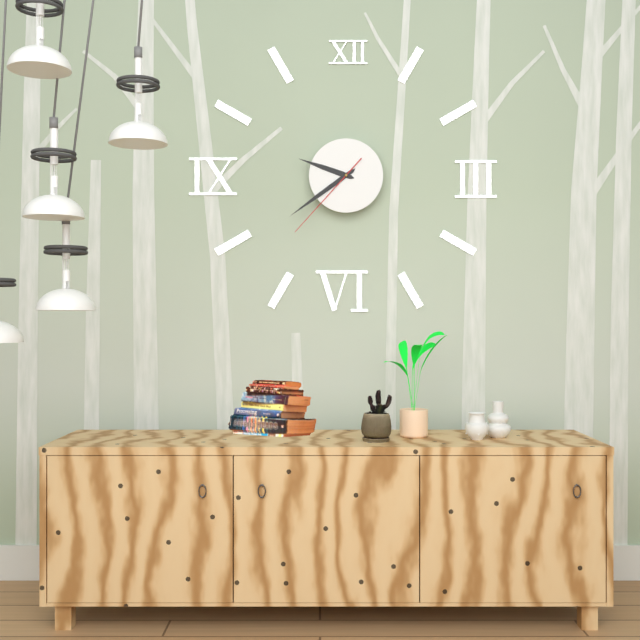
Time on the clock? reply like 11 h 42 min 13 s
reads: 9 h 39 min 37 s
